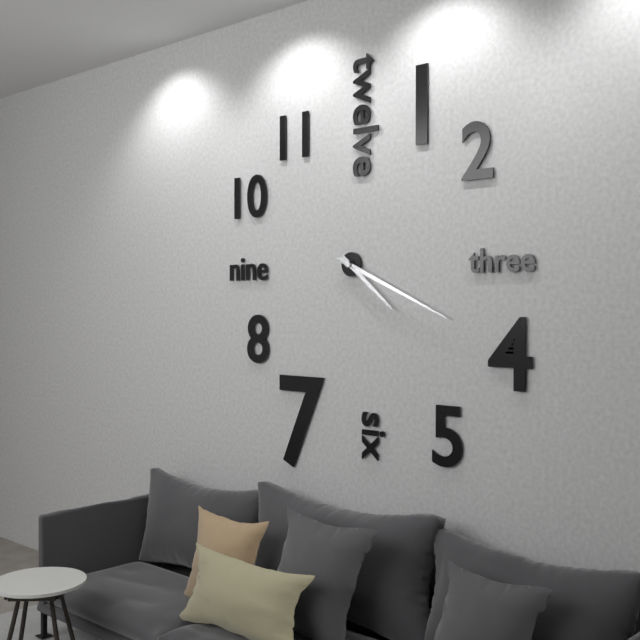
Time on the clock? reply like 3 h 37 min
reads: 4 h 19 min
